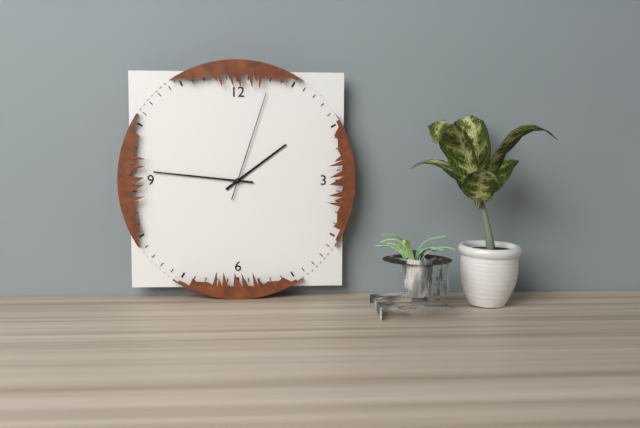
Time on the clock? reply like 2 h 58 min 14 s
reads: 1 h 46 min 03 s
